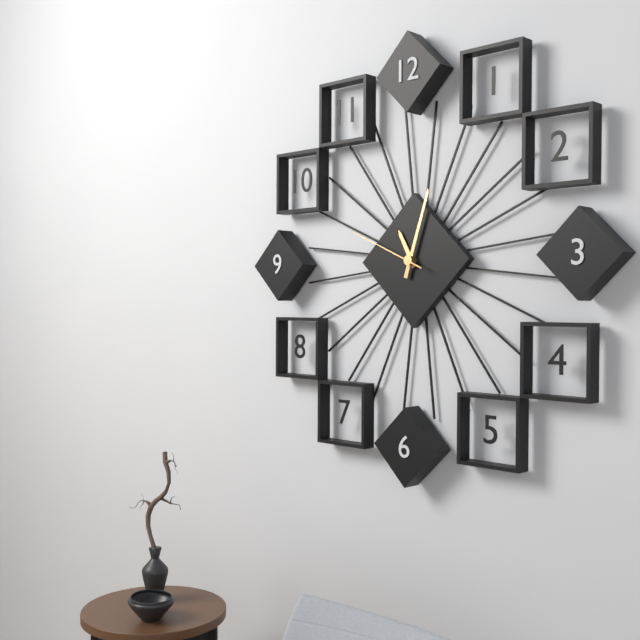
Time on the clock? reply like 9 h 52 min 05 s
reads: 11 h 03 min 49 s
